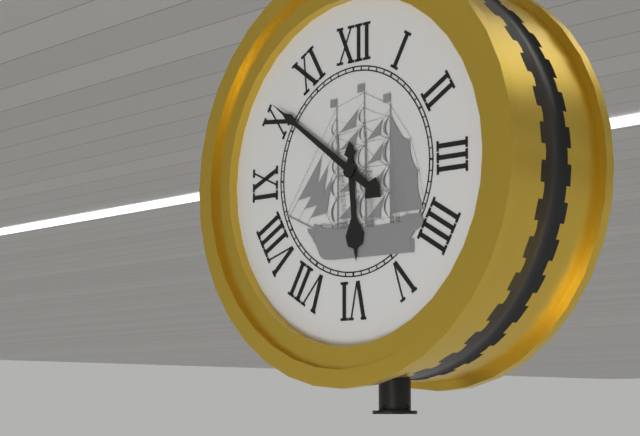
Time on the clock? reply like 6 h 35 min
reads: 5 h 51 min
